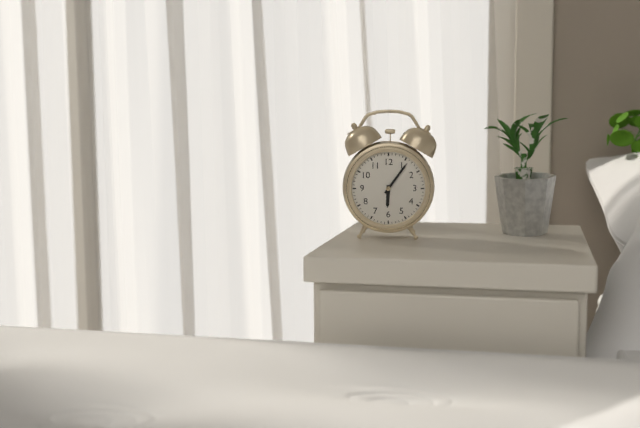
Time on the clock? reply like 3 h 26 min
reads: 6 h 06 min
